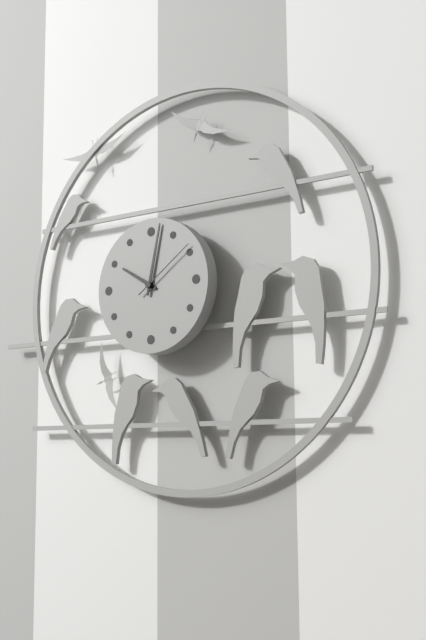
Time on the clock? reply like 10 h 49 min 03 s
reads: 10 h 02 min 09 s
